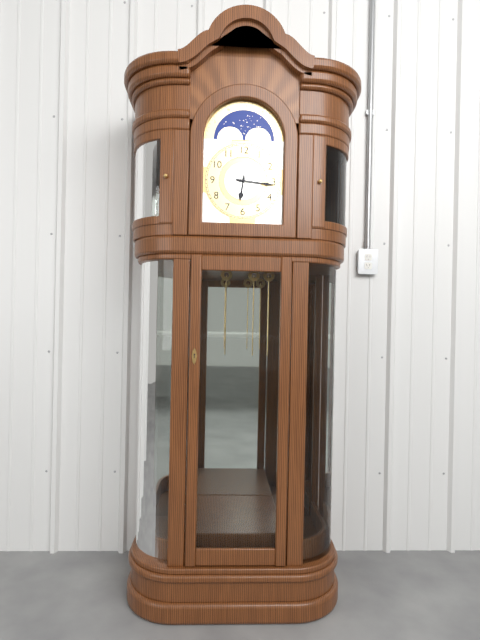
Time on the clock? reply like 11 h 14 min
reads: 6 h 16 min
